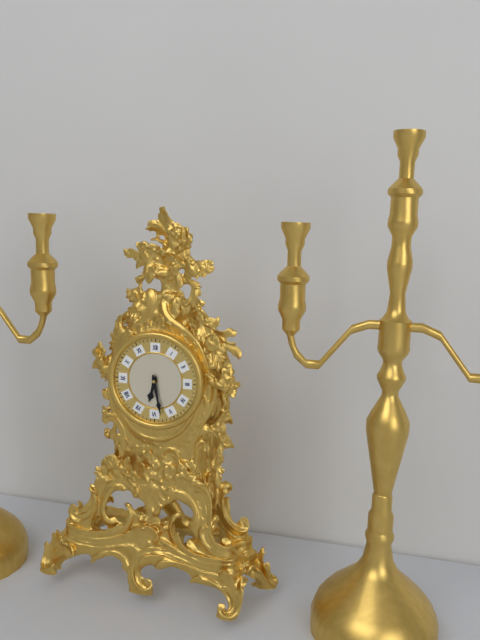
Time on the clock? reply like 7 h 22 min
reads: 6 h 28 min
